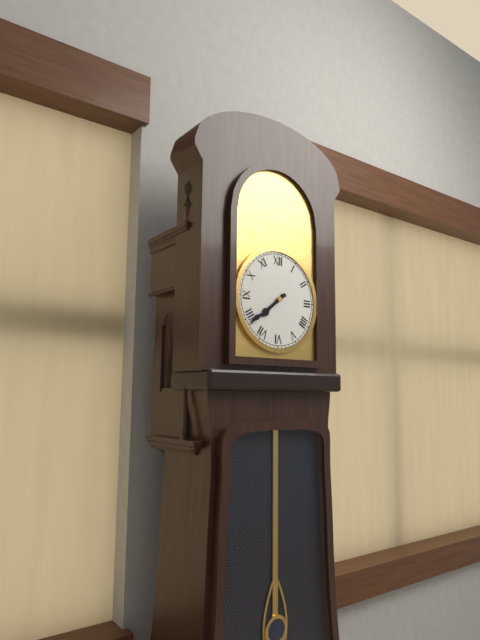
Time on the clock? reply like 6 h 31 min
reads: 7 h 39 min
